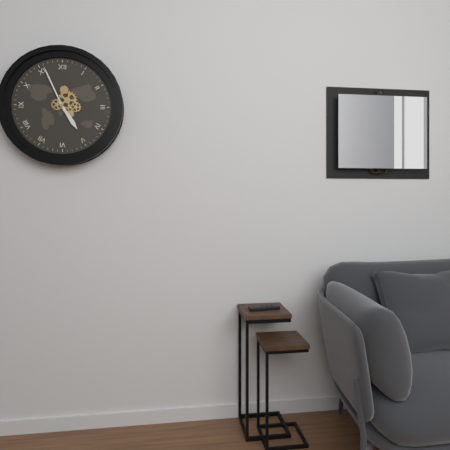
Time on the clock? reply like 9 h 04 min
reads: 4 h 56 min
